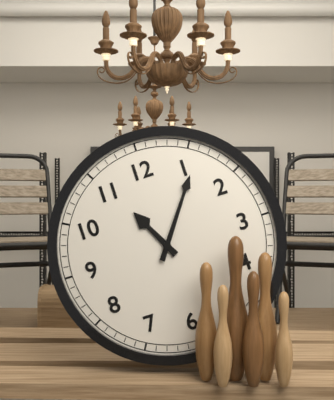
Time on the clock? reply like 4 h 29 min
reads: 11 h 06 min
